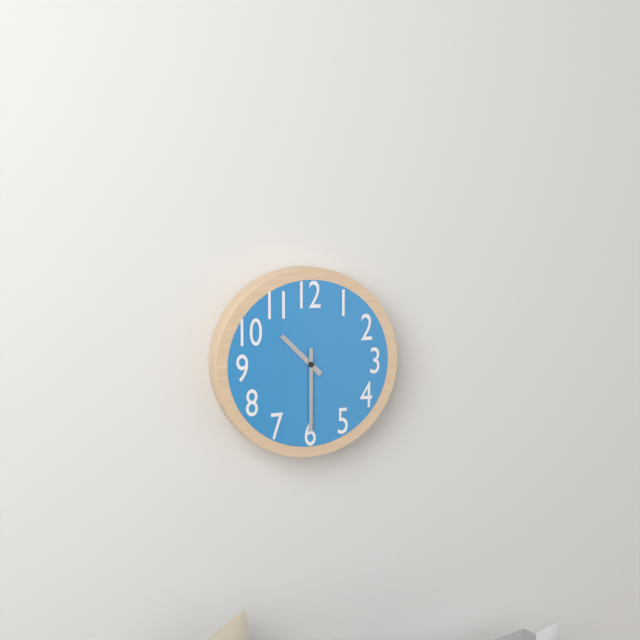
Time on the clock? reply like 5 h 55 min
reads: 10 h 30 min
